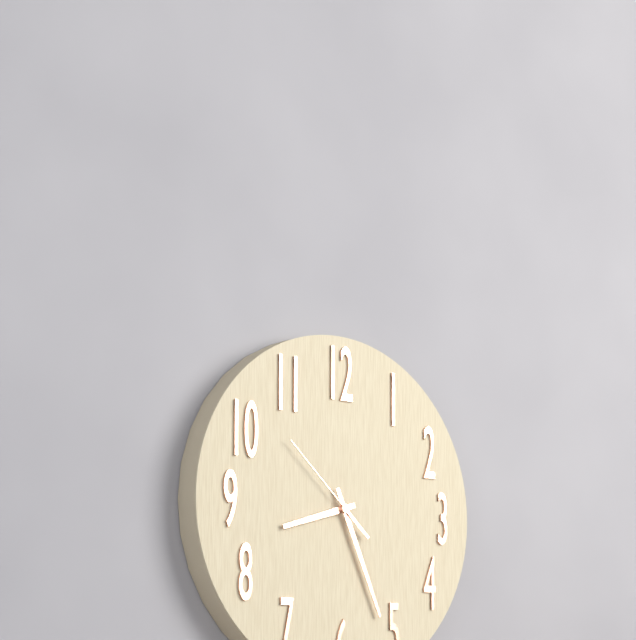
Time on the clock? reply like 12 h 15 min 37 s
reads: 8 h 26 min 52 s
